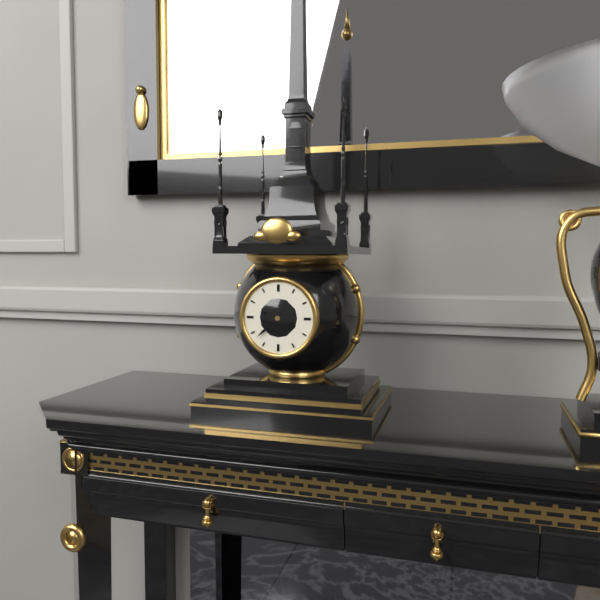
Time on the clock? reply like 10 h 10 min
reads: 9 h 38 min
